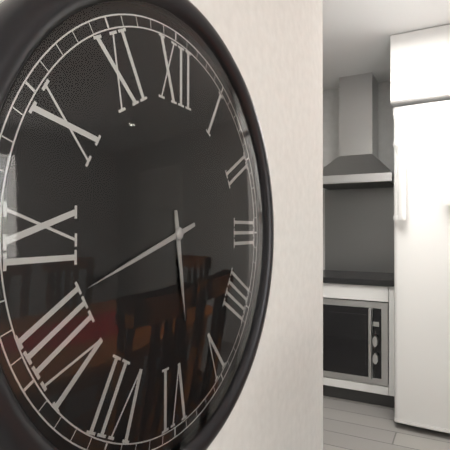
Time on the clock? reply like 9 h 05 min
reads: 5 h 42 min
